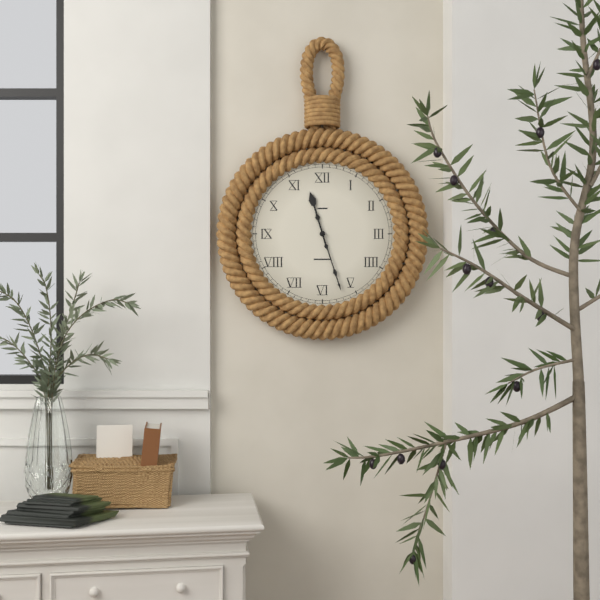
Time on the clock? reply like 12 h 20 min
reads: 11 h 27 min
